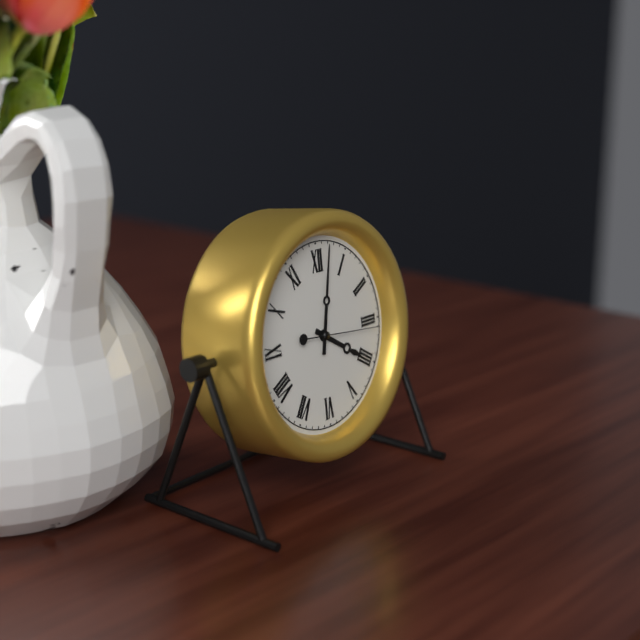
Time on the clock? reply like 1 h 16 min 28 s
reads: 4 h 02 min 16 s
